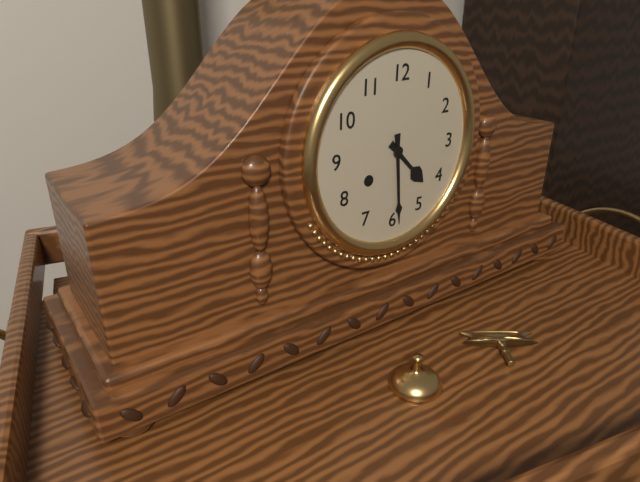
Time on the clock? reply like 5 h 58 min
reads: 4 h 29 min
